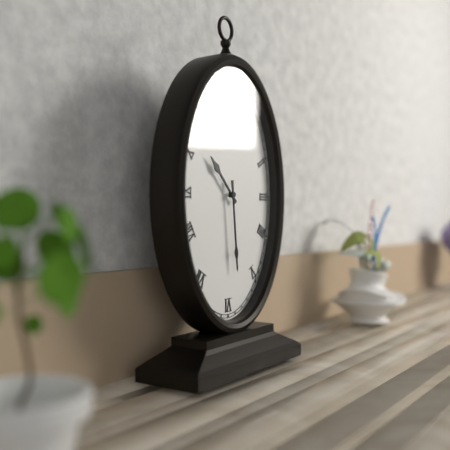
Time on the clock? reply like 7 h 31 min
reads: 10 h 29 min
